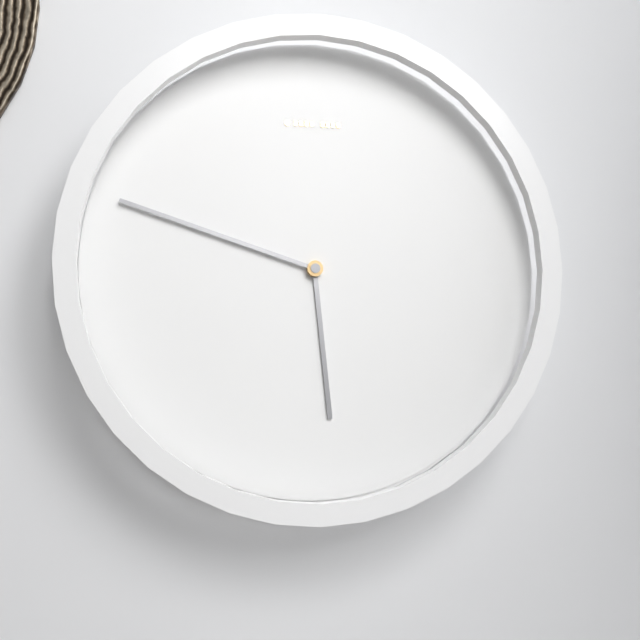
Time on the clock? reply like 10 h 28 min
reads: 5 h 48 min
